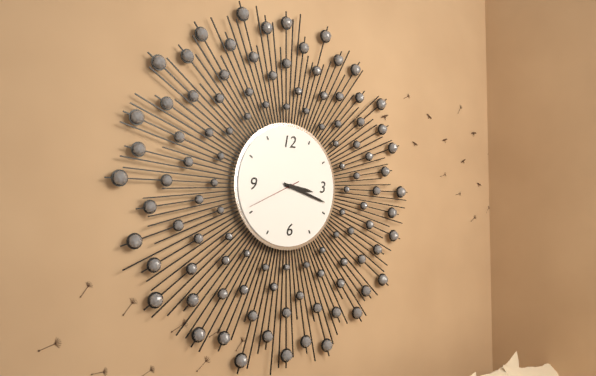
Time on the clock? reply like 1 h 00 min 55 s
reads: 3 h 18 min 41 s
